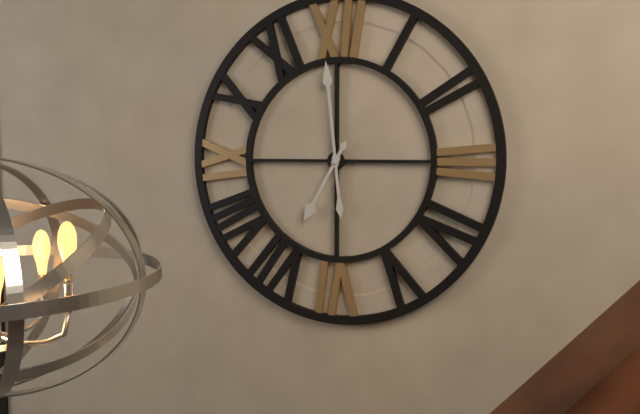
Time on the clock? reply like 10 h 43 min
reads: 6 h 59 min
